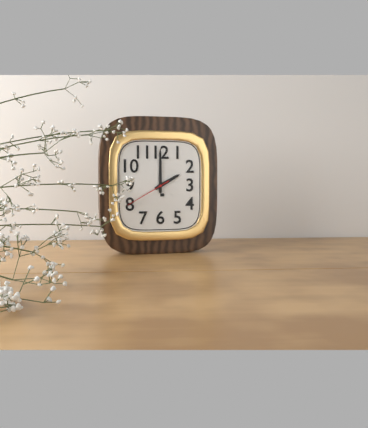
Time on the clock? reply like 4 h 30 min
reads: 2 h 00 min
